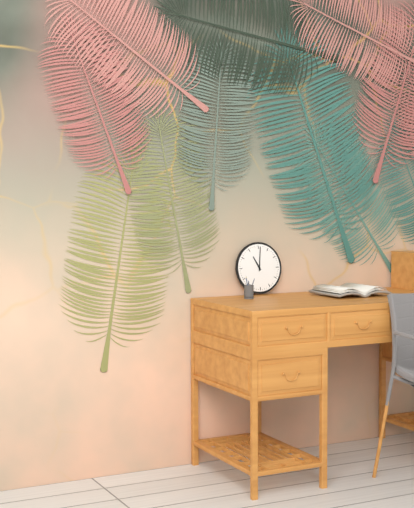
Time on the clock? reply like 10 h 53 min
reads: 11 h 01 min
